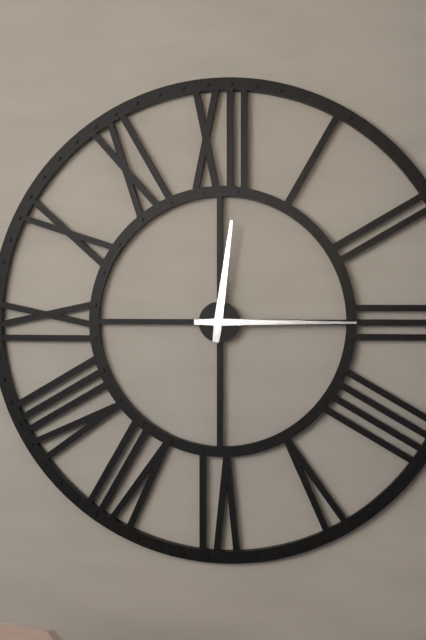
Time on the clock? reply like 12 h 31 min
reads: 12 h 15 min
